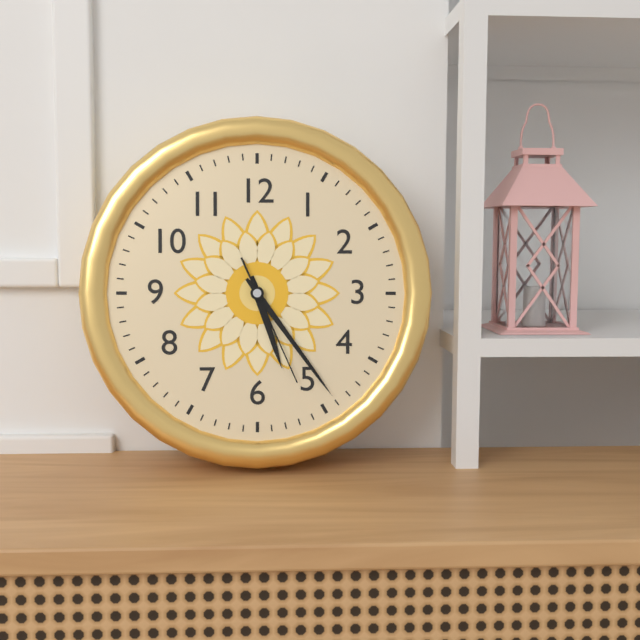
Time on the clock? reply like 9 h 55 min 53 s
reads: 5 h 24 min 26 s
